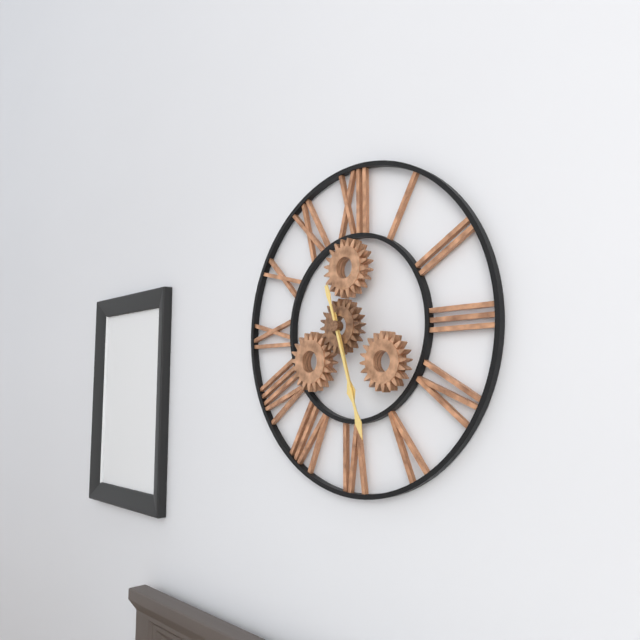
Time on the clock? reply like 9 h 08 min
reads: 5 h 27 min
